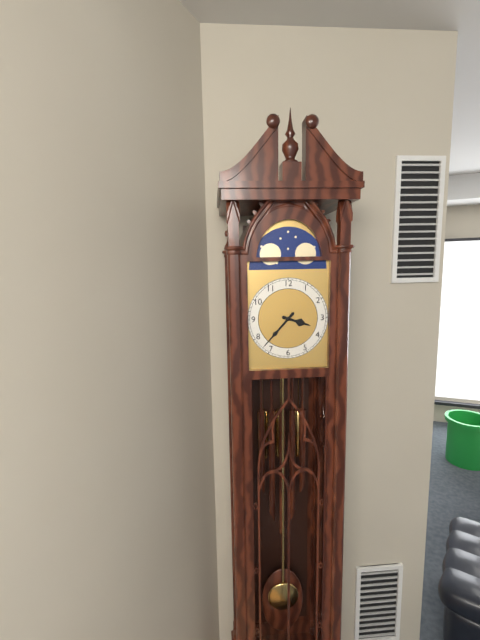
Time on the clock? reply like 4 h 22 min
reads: 3 h 37 min
